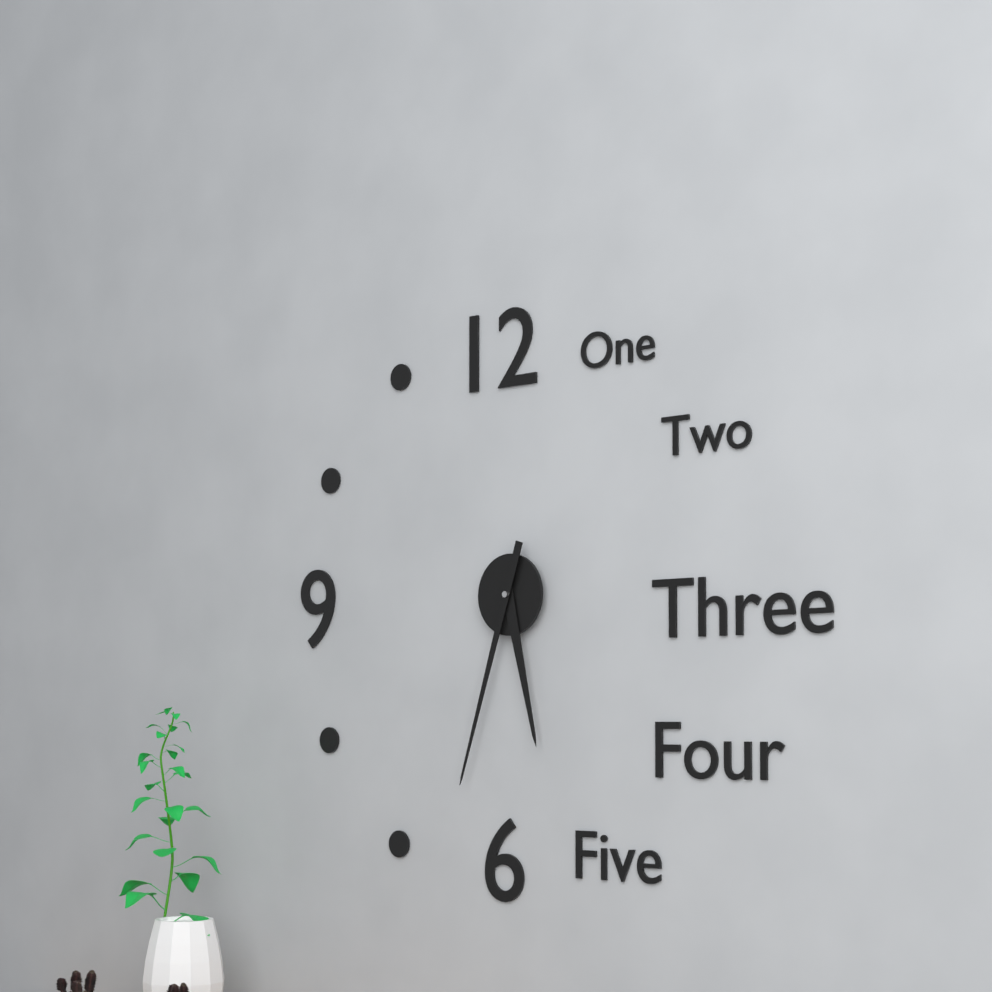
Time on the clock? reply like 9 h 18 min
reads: 5 h 33 min
